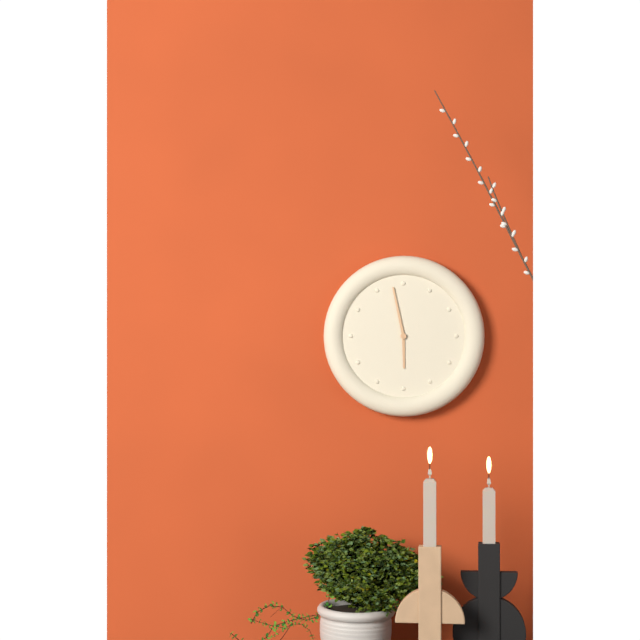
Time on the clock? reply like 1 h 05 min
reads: 5 h 58 min
